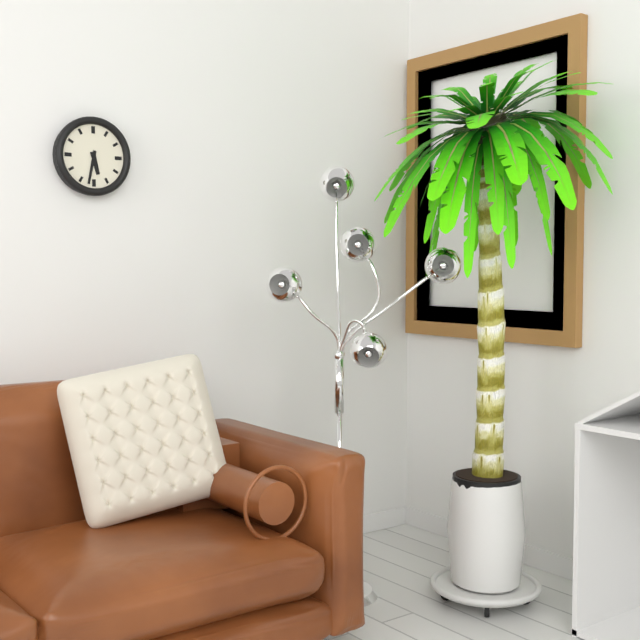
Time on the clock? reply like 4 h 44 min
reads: 5 h 32 min
